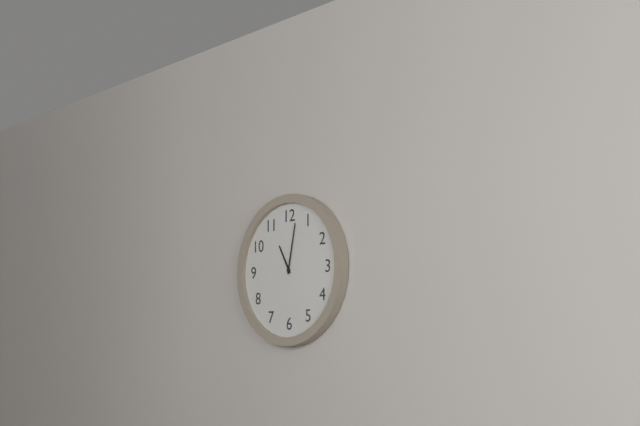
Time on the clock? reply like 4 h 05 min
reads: 11 h 02 min
